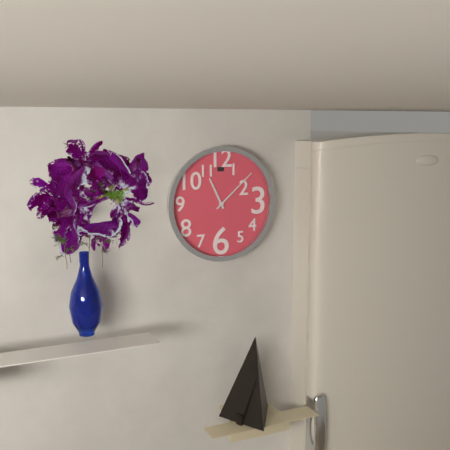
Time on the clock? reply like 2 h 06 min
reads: 11 h 08 min
